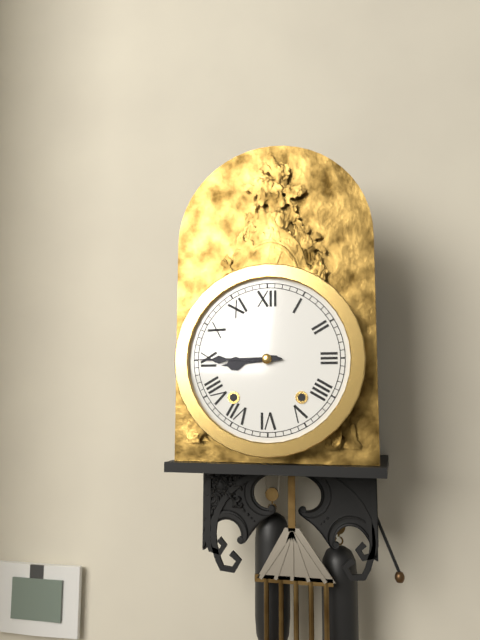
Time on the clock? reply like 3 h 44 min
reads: 8 h 45 min
